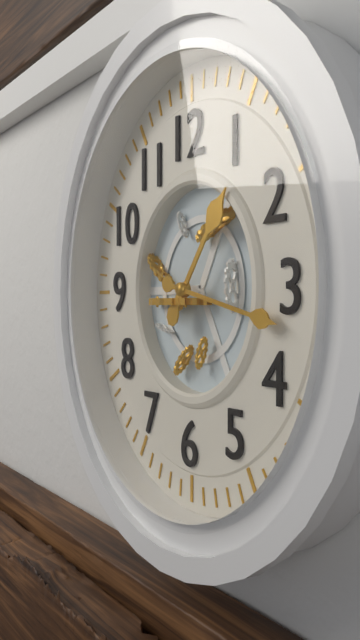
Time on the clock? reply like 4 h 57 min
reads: 1 h 17 min
